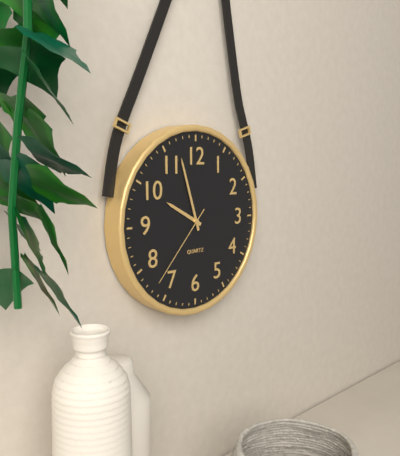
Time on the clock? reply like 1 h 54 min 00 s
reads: 9 h 57 min 37 s
